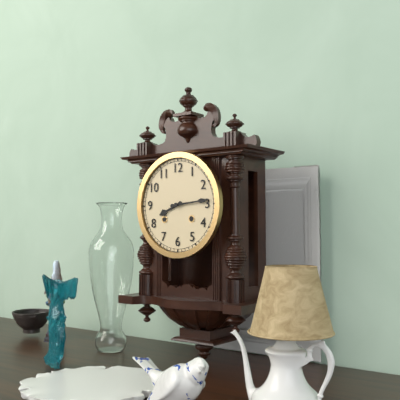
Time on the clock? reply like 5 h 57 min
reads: 8 h 14 min
